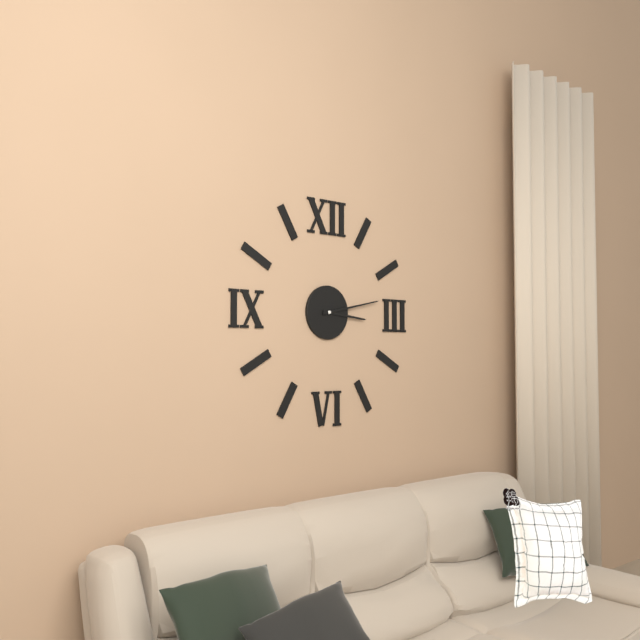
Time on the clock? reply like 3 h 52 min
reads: 3 h 13 min
